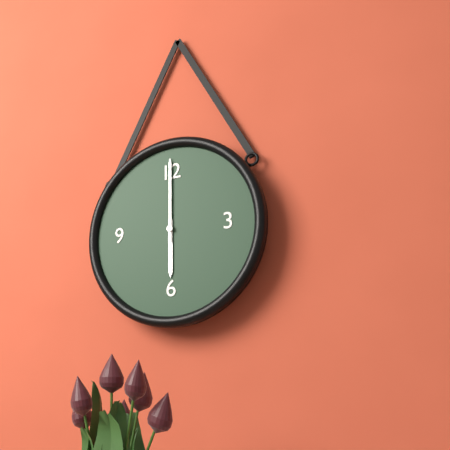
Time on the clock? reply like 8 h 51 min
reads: 6 h 00 min
